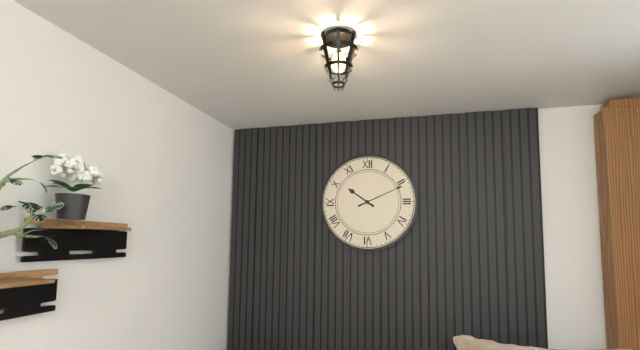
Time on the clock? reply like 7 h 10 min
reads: 10 h 11 min
